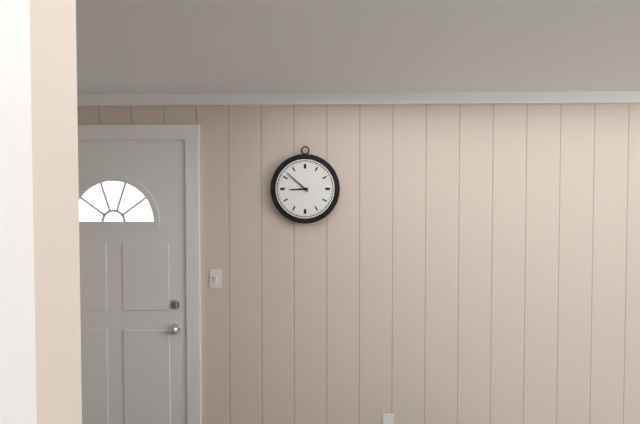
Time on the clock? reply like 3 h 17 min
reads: 8 h 52 min
